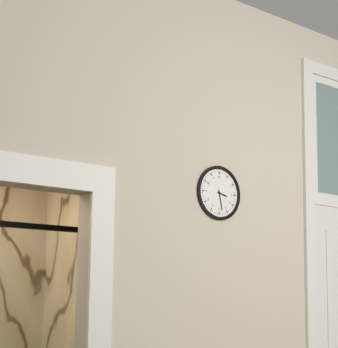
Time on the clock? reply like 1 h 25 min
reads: 3 h 28 min
